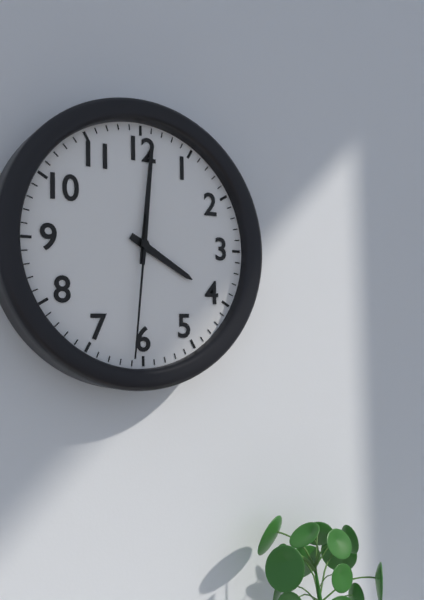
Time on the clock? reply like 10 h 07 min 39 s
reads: 4 h 01 min 31 s
